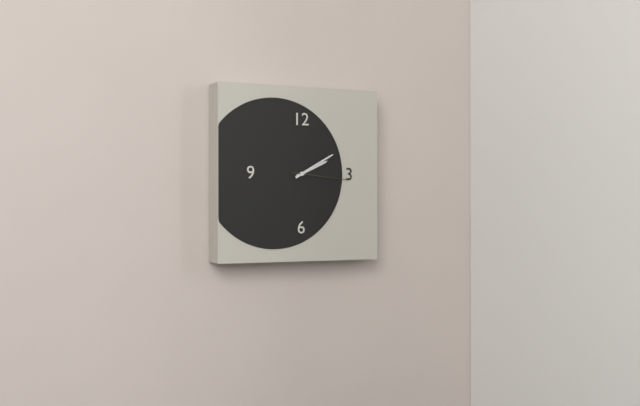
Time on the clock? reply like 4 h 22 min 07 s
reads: 2 h 10 min 16 s
